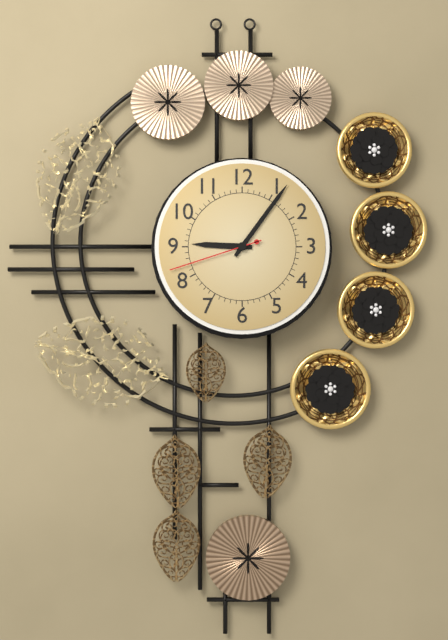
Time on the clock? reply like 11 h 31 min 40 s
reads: 9 h 06 min 42 s
